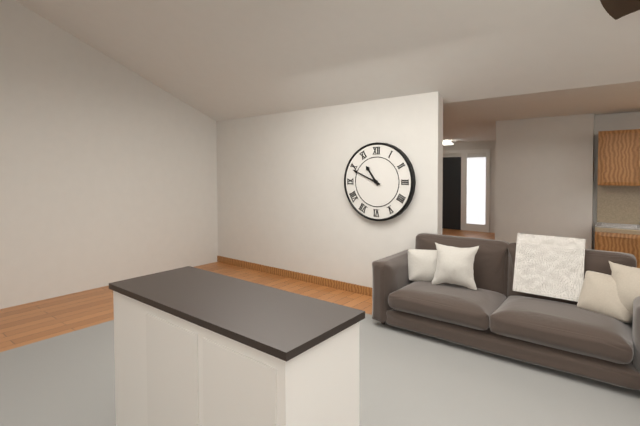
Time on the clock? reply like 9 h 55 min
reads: 10 h 49 min
